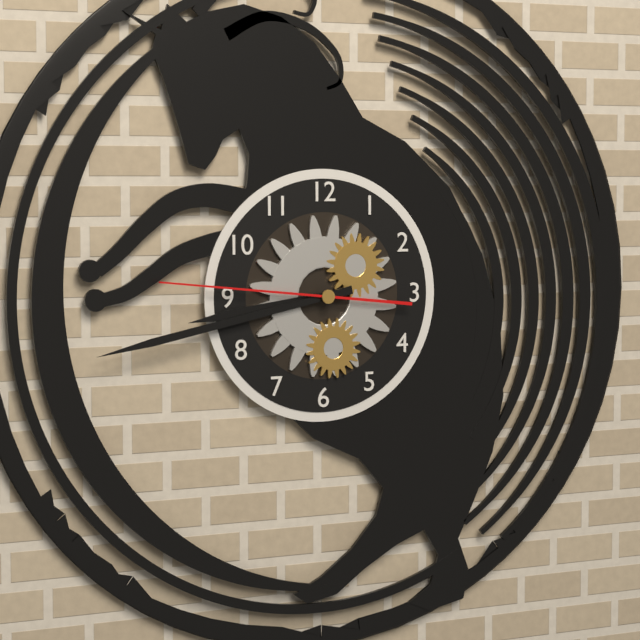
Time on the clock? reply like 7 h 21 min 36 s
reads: 8 h 43 min 46 s
